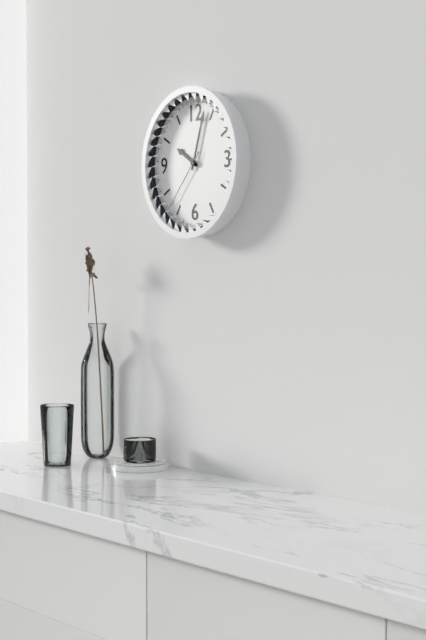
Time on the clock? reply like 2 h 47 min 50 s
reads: 10 h 03 min 37 s
